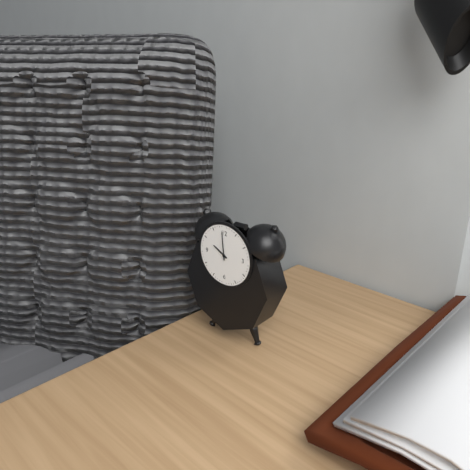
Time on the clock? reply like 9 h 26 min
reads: 9 h 59 min
